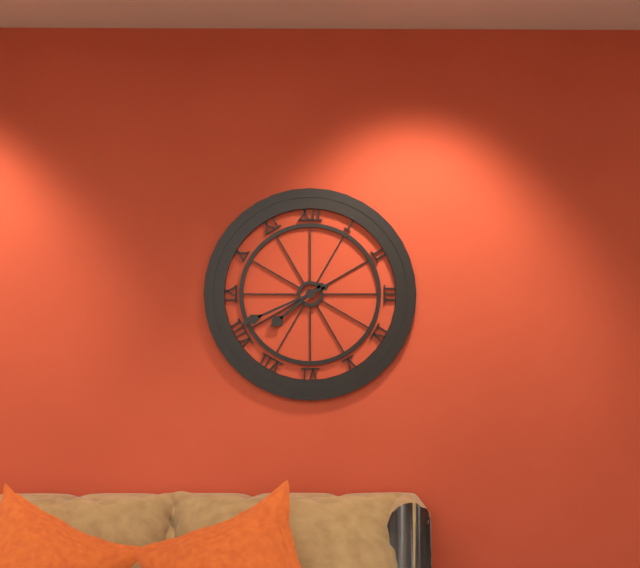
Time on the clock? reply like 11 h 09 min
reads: 7 h 41 min
